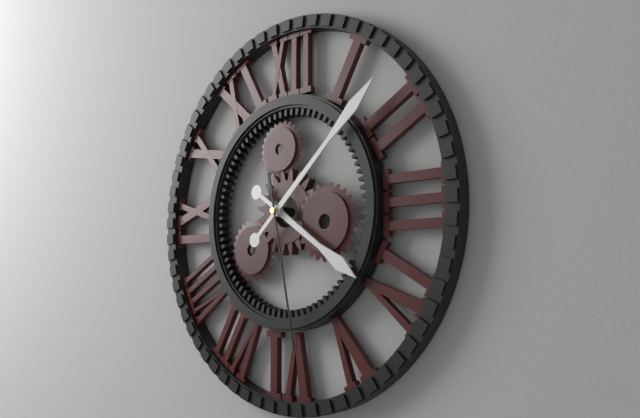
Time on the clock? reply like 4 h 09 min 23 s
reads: 4 h 08 min 28 s
